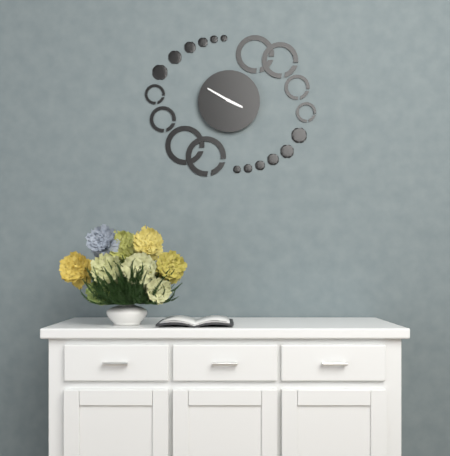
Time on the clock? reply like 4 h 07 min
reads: 3 h 50 min
